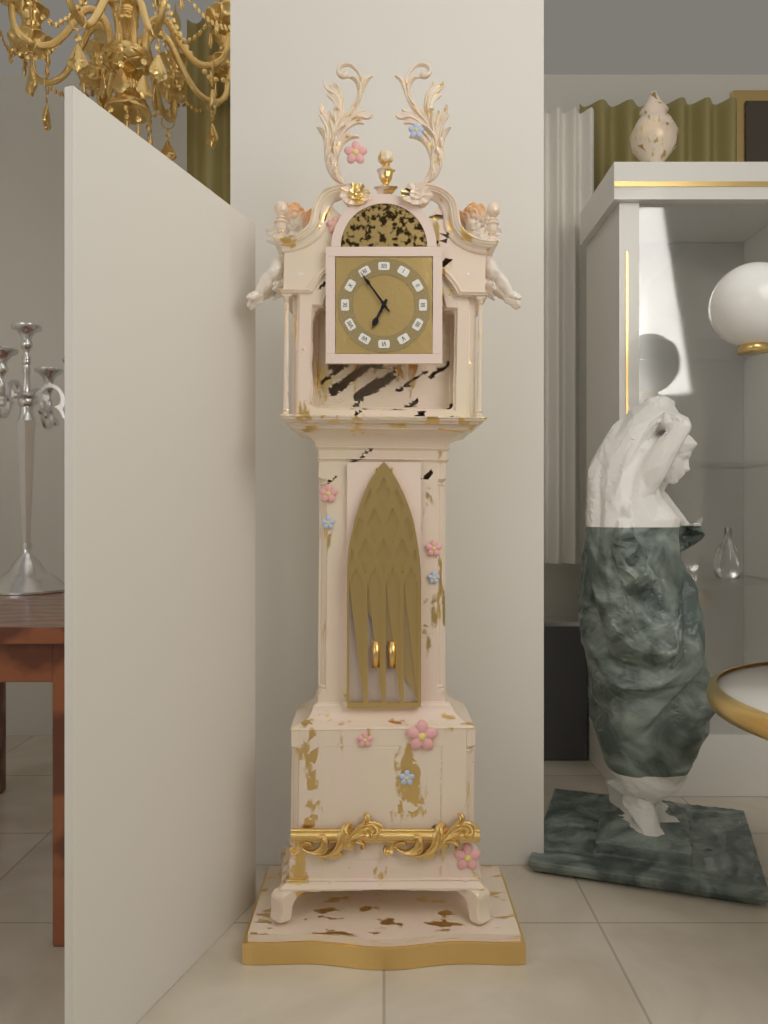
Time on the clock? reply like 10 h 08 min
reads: 6 h 54 min
